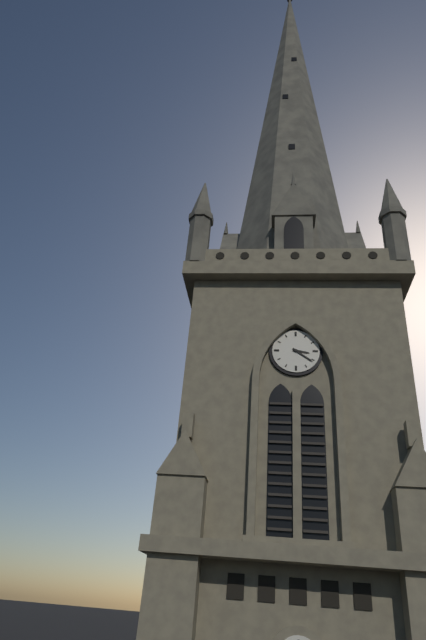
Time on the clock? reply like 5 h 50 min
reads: 3 h 21 min
